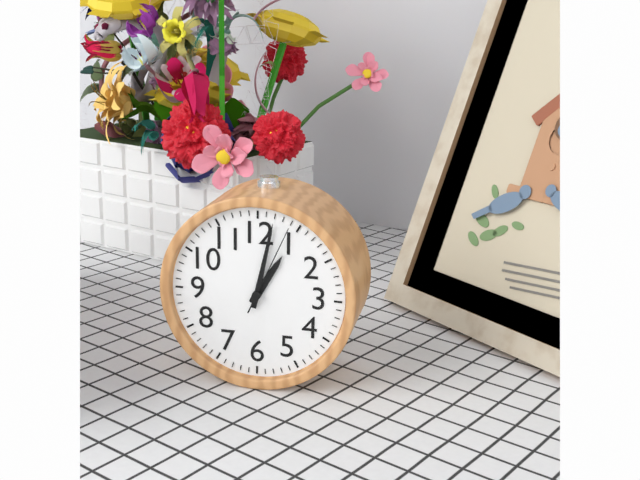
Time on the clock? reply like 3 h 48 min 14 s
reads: 1 h 02 min 04 s
